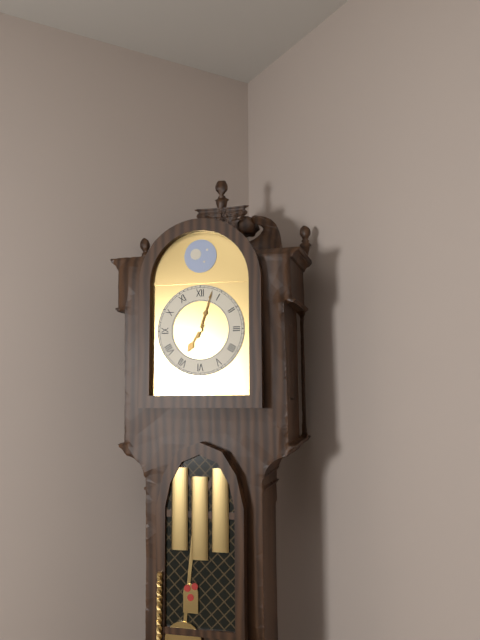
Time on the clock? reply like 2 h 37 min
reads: 7 h 03 min
